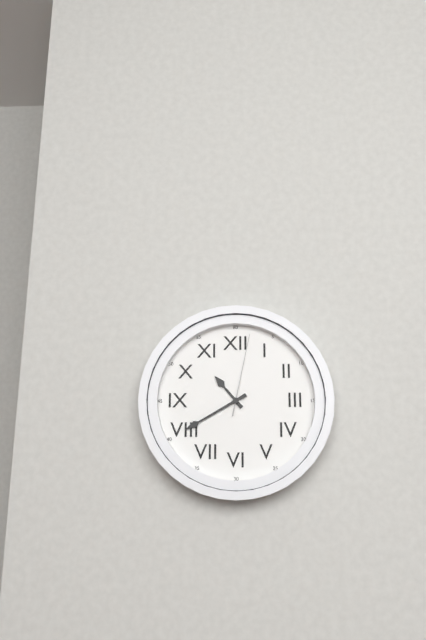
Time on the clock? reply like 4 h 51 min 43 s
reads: 10 h 40 min 02 s
